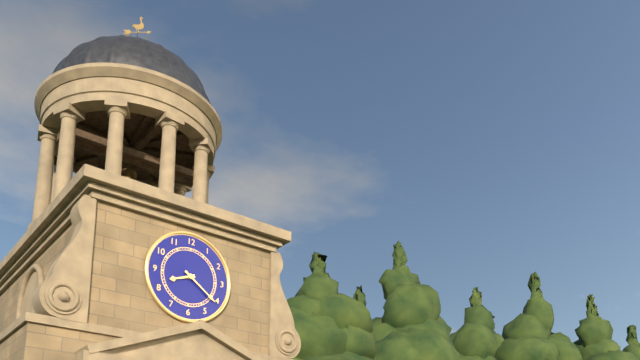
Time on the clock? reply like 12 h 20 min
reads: 8 h 21 min
